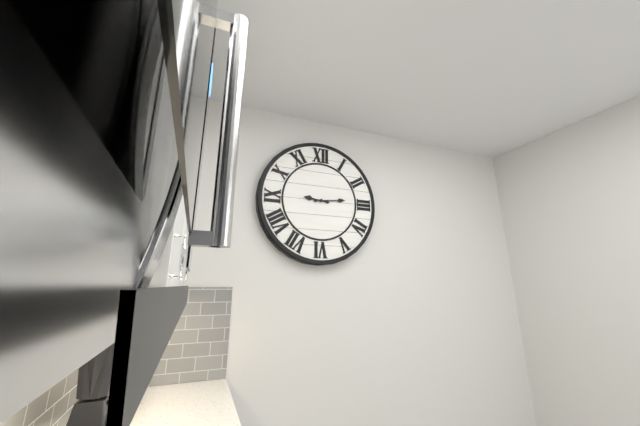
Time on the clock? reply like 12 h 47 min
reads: 9 h 14 min
